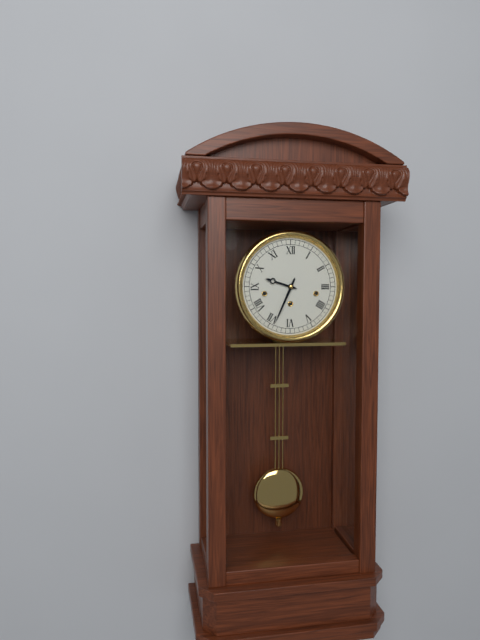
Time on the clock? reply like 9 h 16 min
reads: 9 h 34 min
